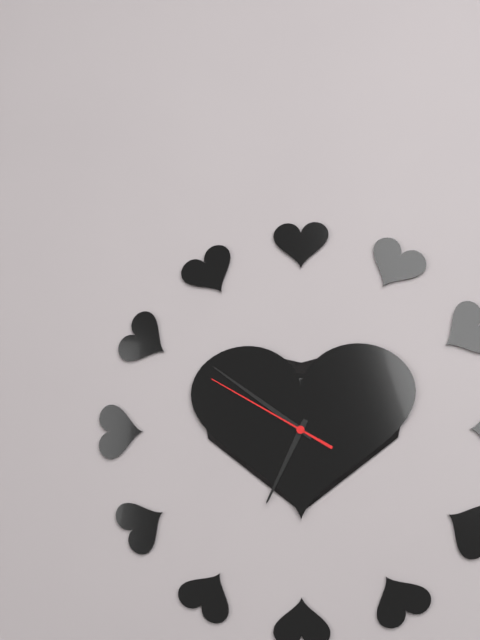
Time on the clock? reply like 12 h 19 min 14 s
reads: 6 h 51 min 50 s
